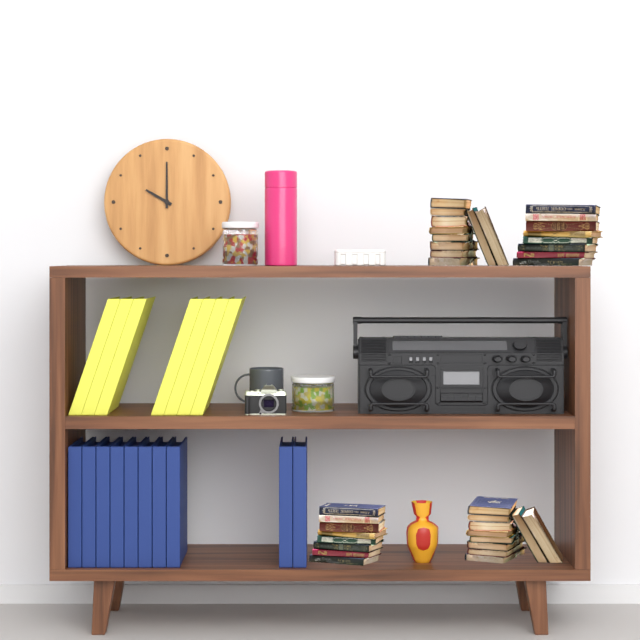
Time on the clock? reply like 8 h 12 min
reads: 10 h 00 min
